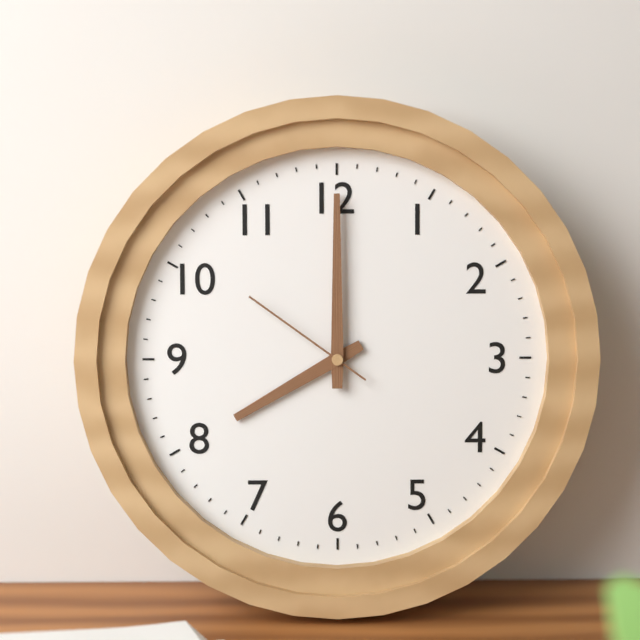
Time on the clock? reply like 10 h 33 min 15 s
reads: 8 h 00 min 51 s
